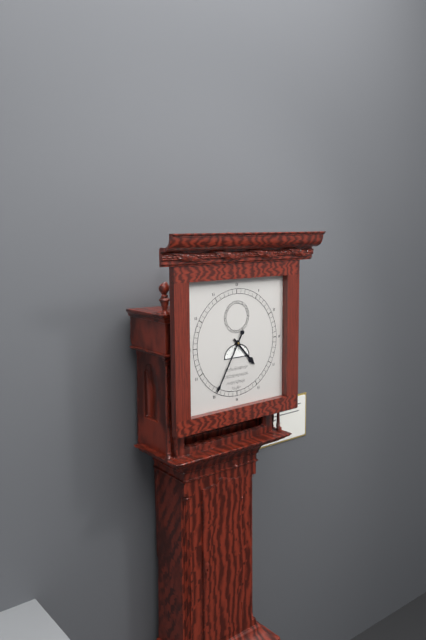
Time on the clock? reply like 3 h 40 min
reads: 4 h 35 min
